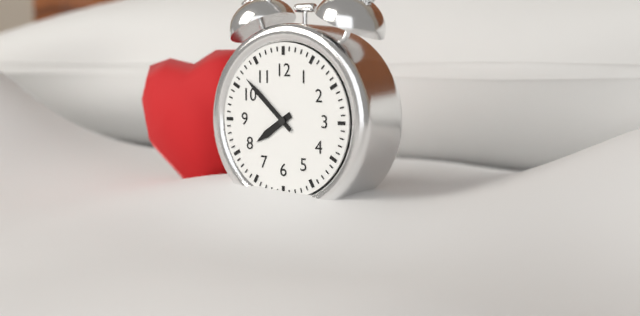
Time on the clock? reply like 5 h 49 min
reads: 7 h 52 min
